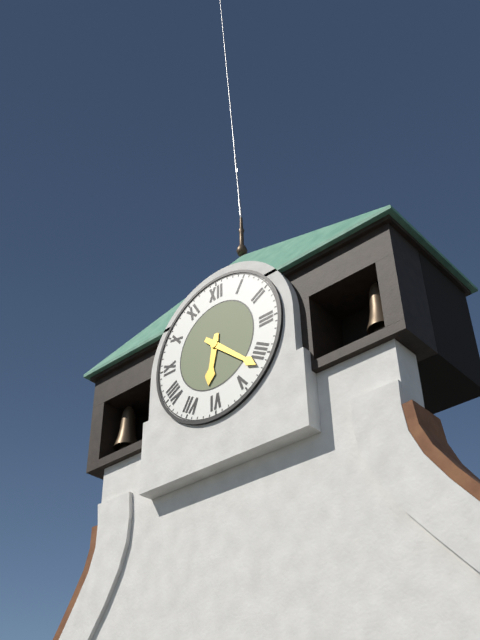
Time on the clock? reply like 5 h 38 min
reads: 6 h 22 min
